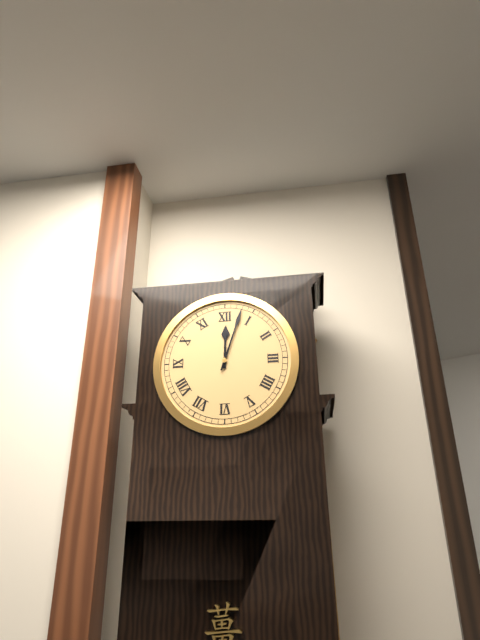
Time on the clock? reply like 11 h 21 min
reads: 12 h 03 min
